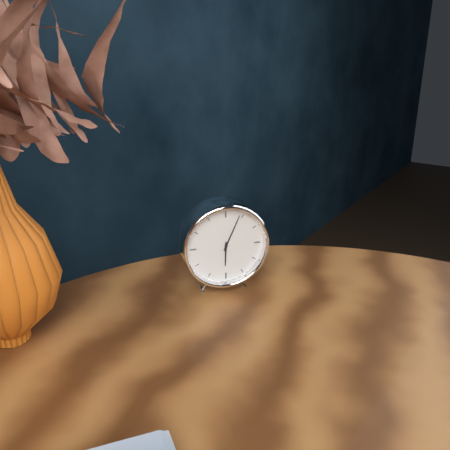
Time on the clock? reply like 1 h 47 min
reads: 6 h 04 min
